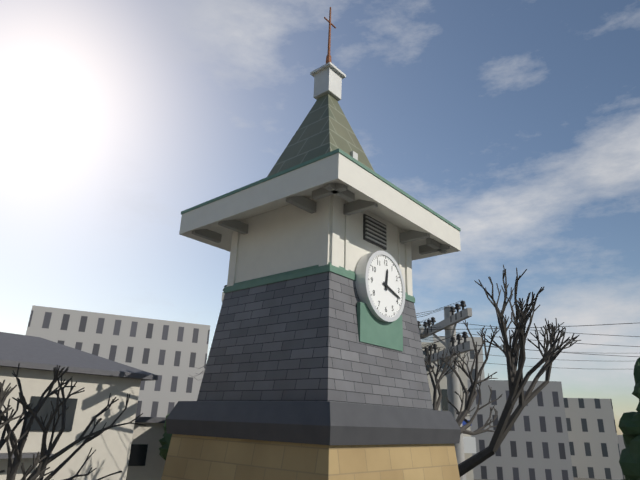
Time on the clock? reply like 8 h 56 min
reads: 12 h 18 min
